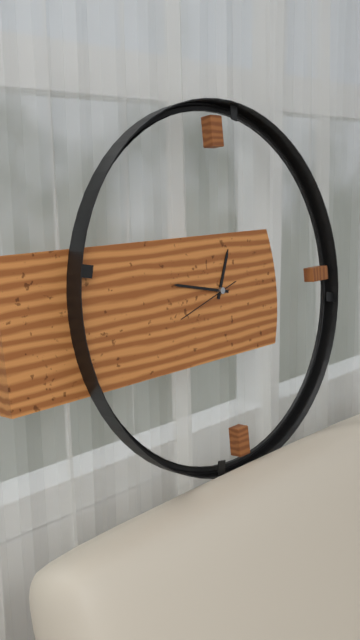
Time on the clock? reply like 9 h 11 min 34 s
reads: 12 h 47 min 42 s
